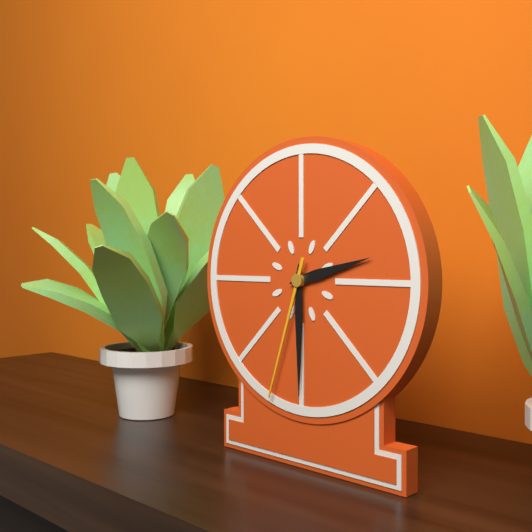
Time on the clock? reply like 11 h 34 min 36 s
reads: 2 h 30 min 33 s
